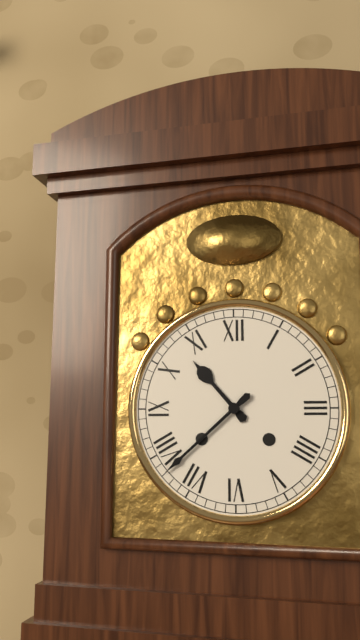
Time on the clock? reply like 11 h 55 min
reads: 10 h 38 min
